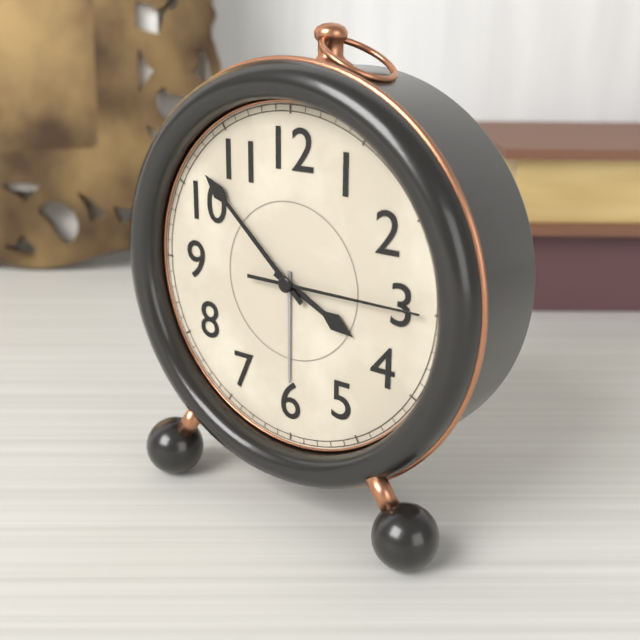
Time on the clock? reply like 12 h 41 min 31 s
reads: 3 h 52 min 15 s
